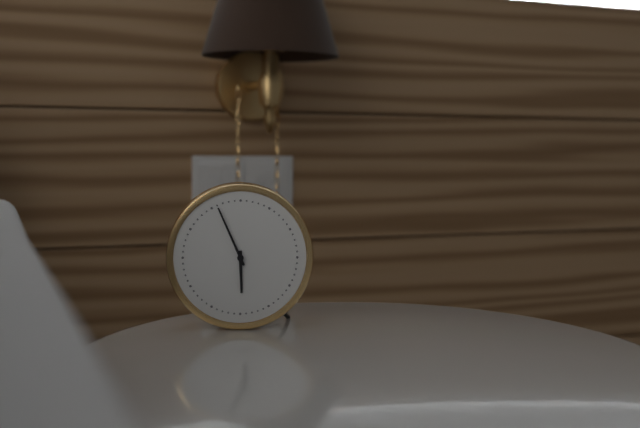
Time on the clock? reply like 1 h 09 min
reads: 5 h 56 min
